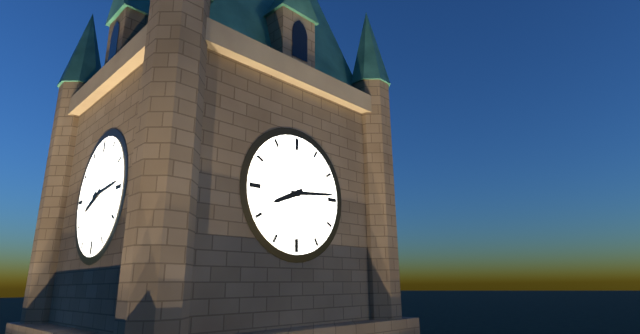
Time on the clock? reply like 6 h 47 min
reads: 8 h 14 min
